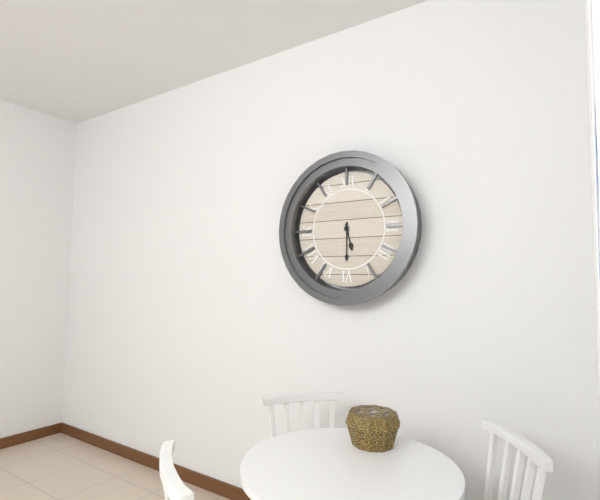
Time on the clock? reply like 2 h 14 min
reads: 5 h 30 min
